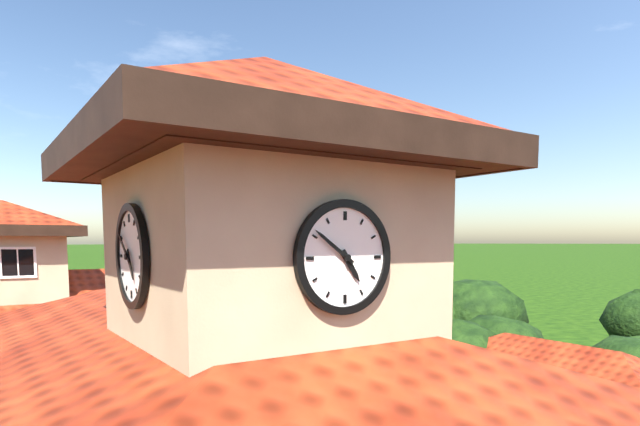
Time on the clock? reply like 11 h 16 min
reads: 4 h 51 min
